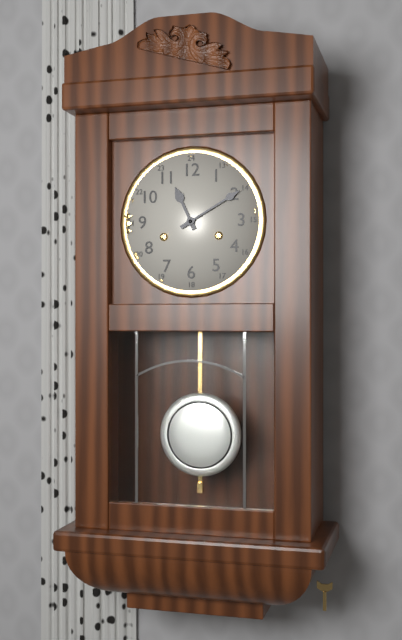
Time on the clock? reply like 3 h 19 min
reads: 11 h 10 min
